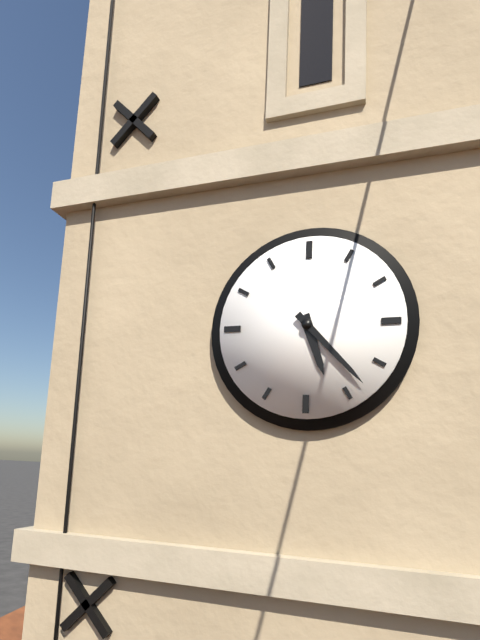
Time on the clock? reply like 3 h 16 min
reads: 5 h 23 min
